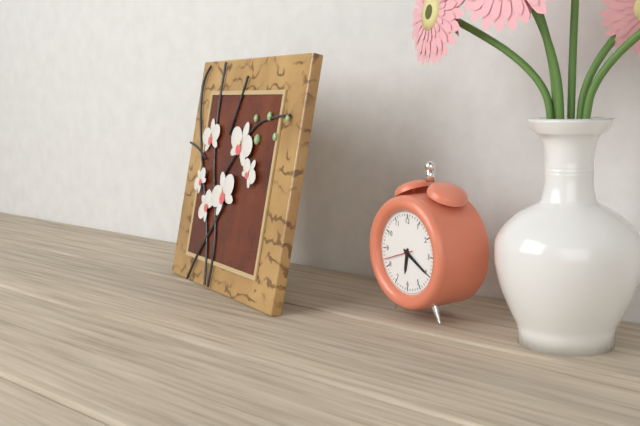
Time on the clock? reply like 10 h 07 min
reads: 6 h 20 min
